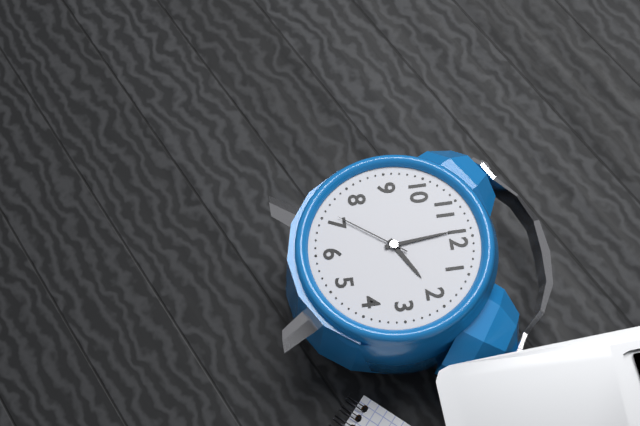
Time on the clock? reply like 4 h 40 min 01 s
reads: 1 h 59 min 36 s
